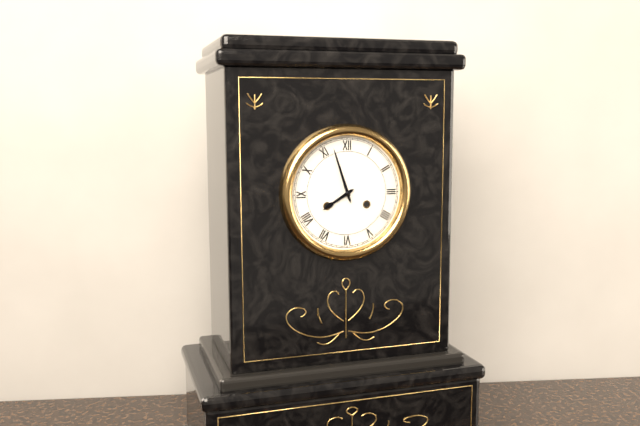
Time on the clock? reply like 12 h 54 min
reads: 7 h 57 min
